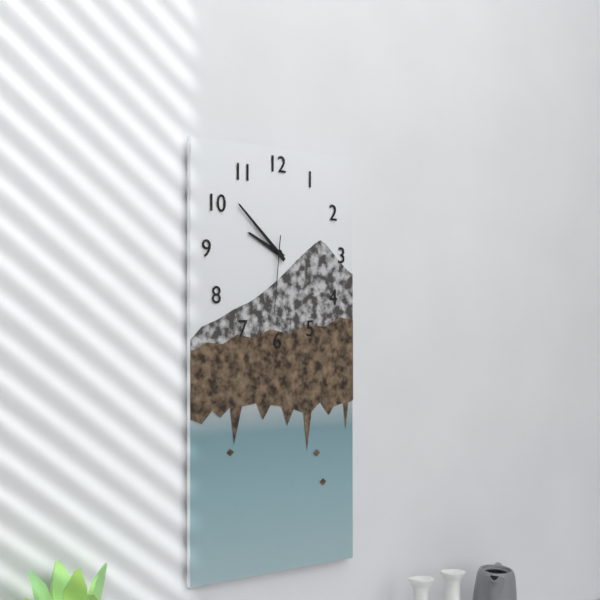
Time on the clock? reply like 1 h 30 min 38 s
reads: 9 h 52 min 31 s
